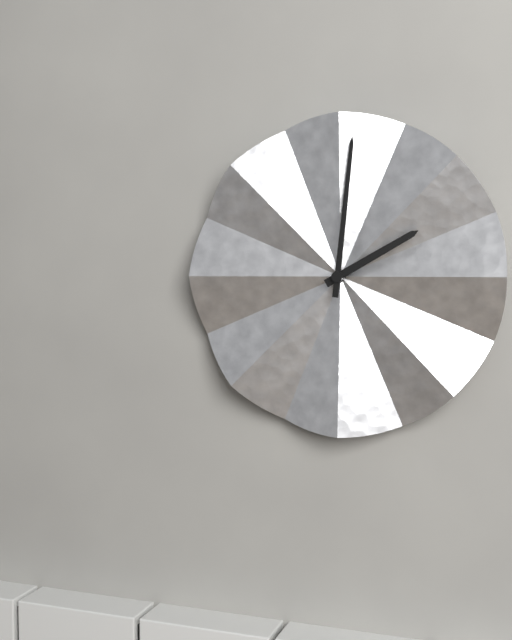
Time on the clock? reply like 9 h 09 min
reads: 2 h 01 min
